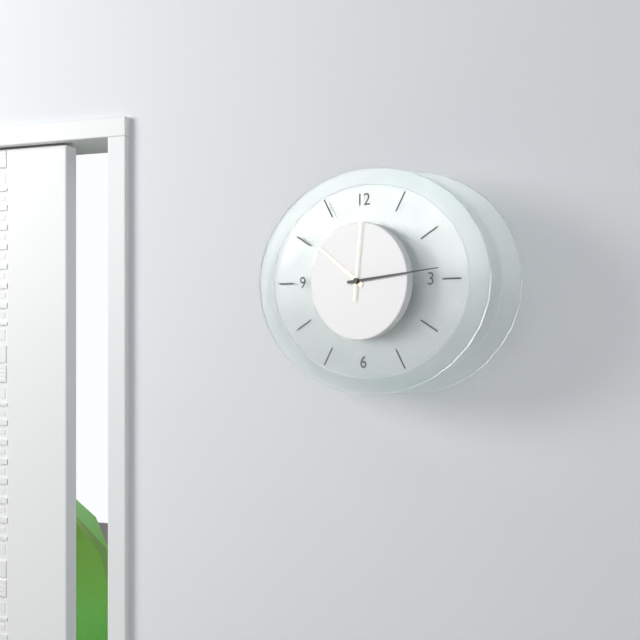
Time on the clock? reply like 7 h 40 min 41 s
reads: 10 h 14 min 01 s
